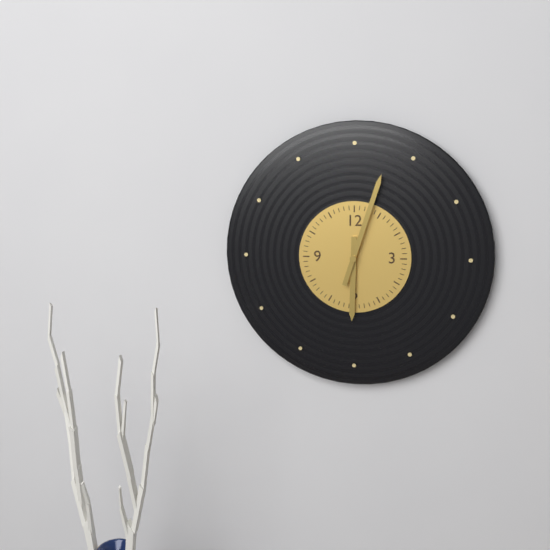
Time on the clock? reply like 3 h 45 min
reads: 6 h 03 min
